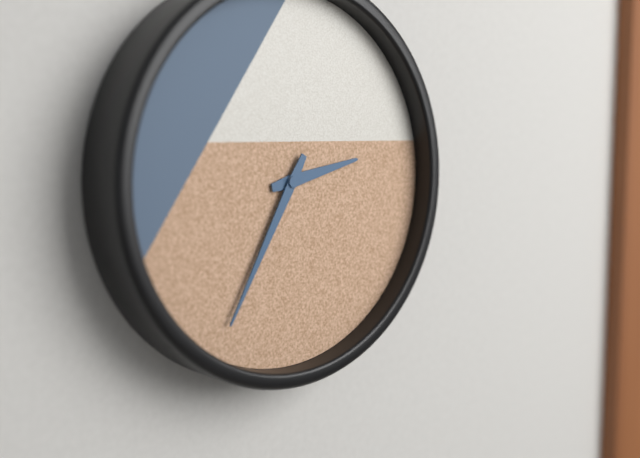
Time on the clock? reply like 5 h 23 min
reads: 2 h 35 min
